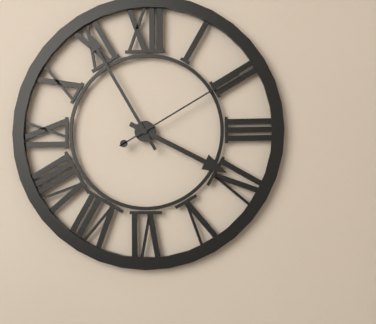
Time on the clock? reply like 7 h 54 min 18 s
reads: 3 h 55 min 10 s
